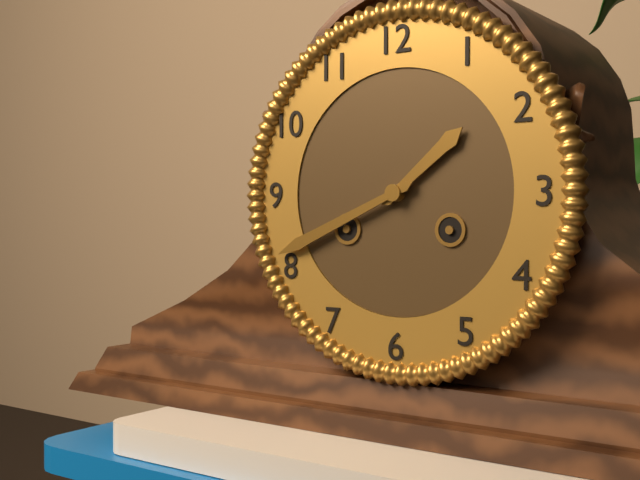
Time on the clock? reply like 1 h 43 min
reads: 1 h 41 min
